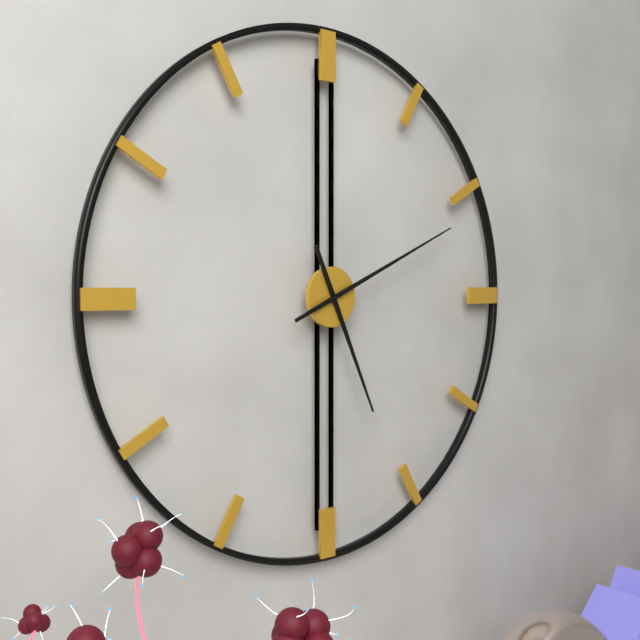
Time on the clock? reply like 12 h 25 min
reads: 5 h 11 min
